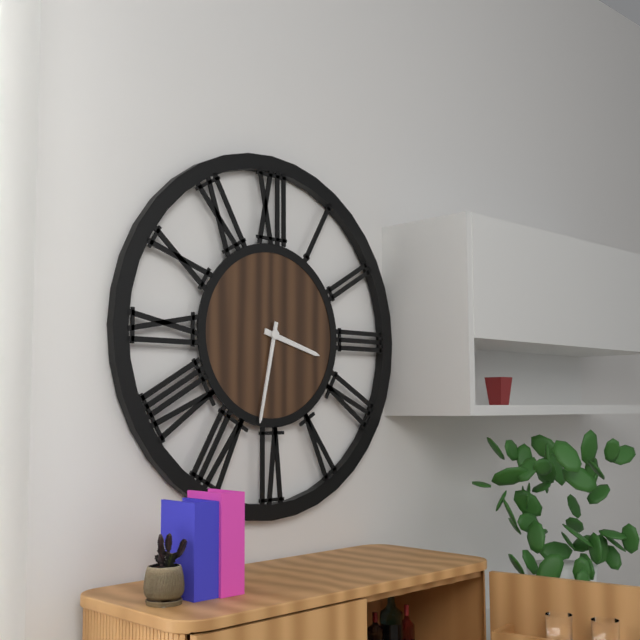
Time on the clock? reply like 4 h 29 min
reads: 3 h 32 min
